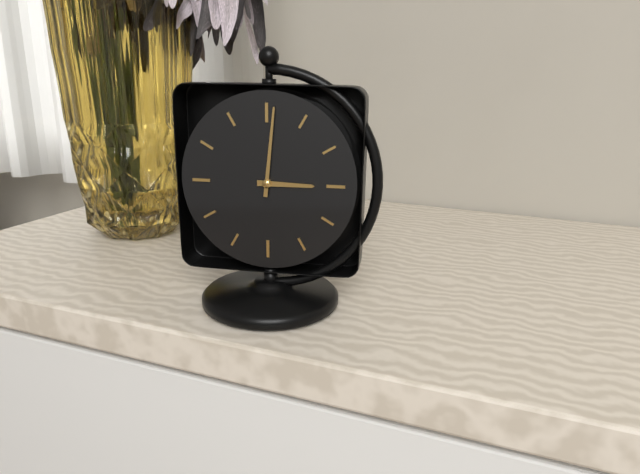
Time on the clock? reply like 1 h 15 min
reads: 3 h 01 min
